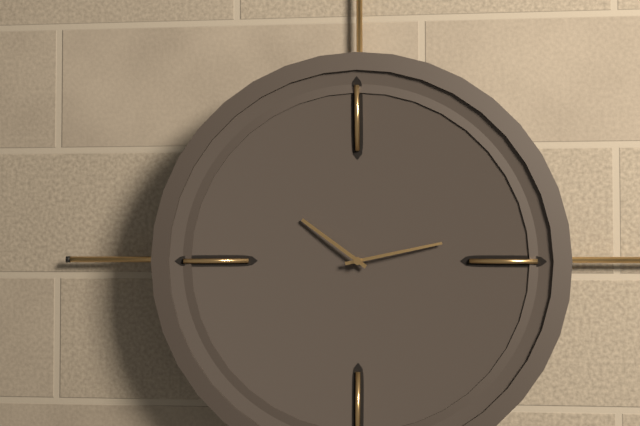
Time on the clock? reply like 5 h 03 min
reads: 10 h 13 min
